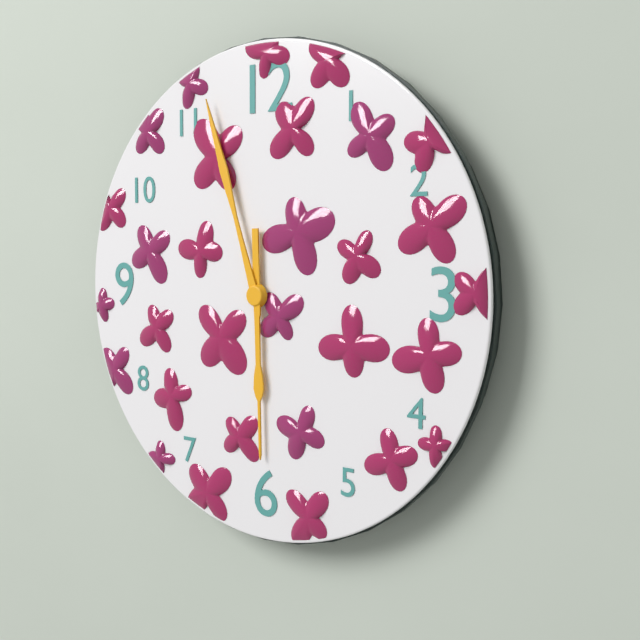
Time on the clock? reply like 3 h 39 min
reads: 5 h 57 min
